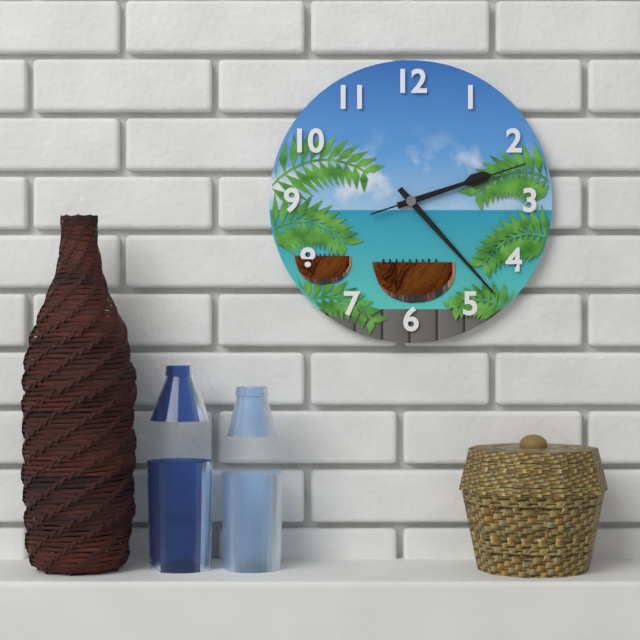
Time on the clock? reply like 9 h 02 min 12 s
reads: 2 h 23 min 12 s
